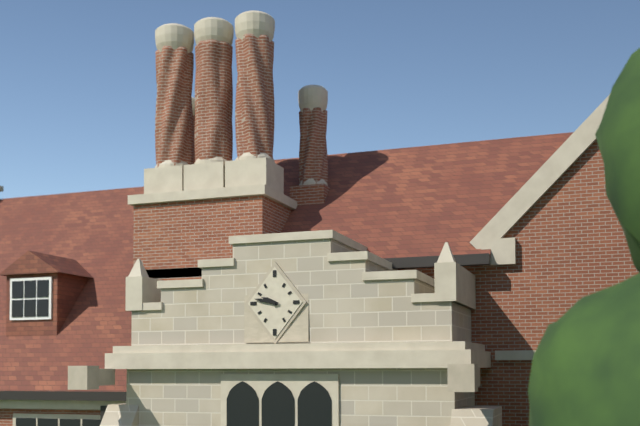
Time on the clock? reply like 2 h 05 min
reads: 9 h 47 min
